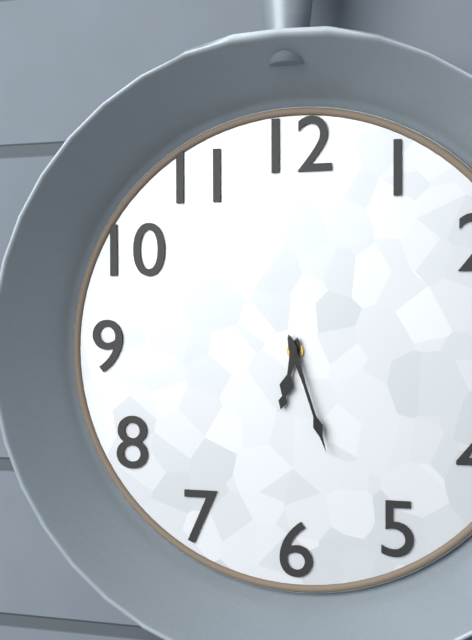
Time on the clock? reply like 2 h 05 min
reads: 6 h 27 min
